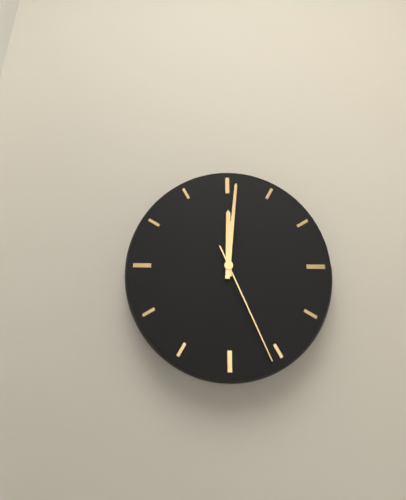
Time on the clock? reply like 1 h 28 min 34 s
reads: 12 h 01 min 26 s
